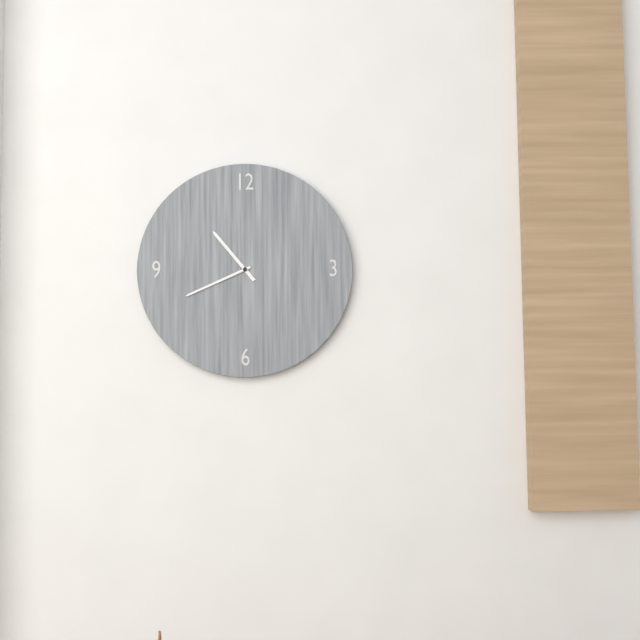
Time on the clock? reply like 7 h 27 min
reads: 10 h 41 min
